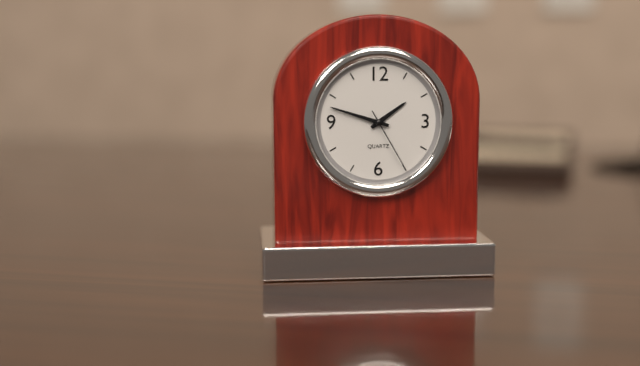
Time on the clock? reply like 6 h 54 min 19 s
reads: 1 h 48 min 25 s
